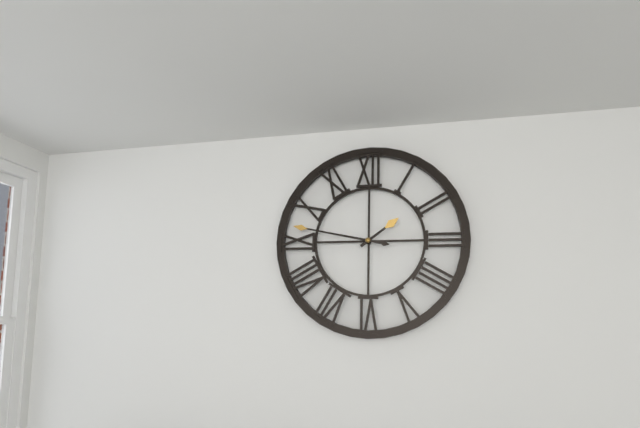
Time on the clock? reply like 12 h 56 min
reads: 1 h 47 min
